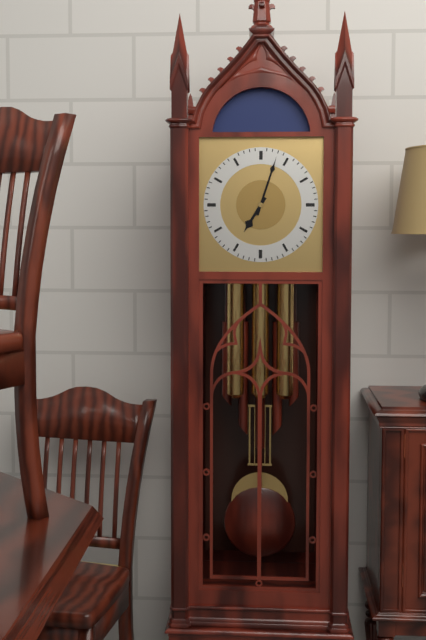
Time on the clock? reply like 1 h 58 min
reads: 7 h 03 min
